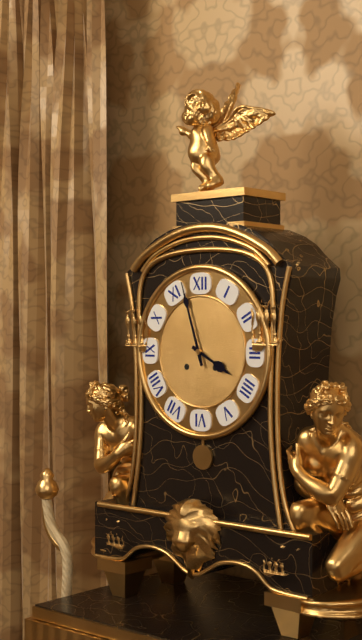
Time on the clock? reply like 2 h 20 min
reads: 3 h 57 min
